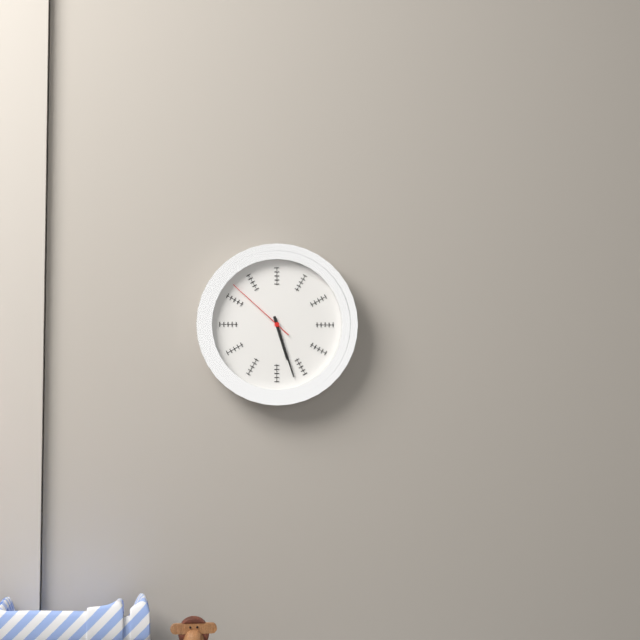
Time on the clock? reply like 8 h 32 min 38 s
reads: 5 h 27 min 52 s
